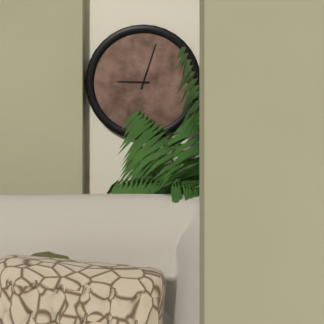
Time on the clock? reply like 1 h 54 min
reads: 9 h 03 min
